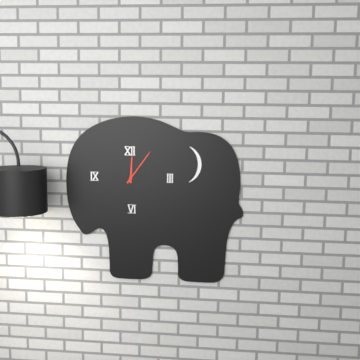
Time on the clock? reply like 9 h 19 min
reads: 12 h 06 min
